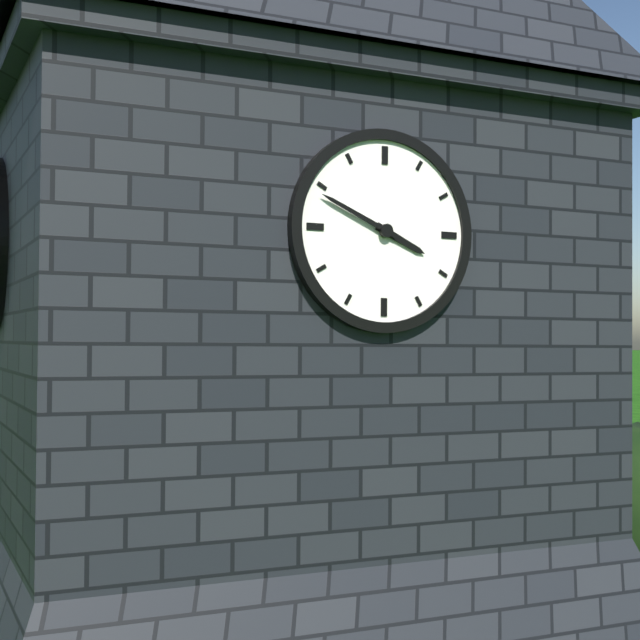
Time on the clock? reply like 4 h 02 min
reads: 3 h 49 min
